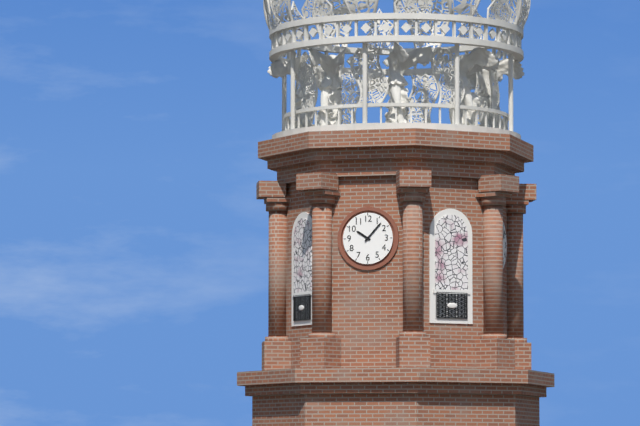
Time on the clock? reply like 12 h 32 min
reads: 10 h 07 min
